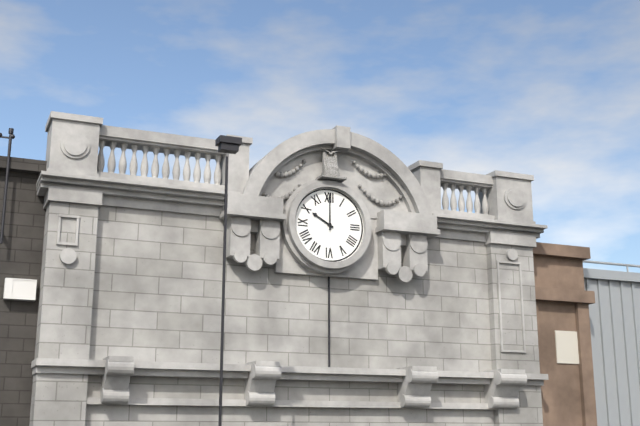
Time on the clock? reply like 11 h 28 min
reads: 10 h 00 min
